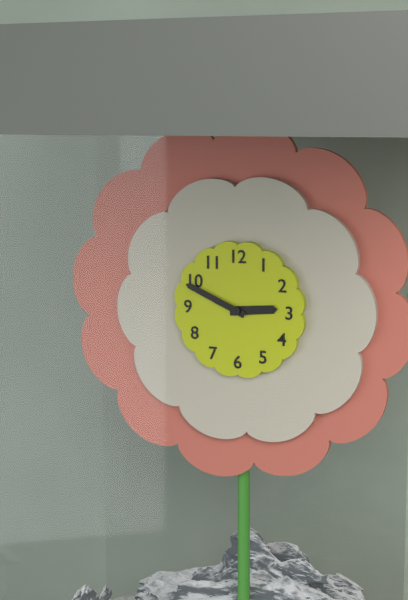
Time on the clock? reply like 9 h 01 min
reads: 2 h 49 min
